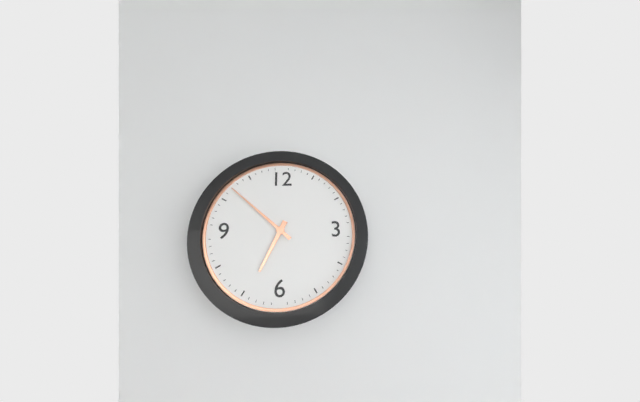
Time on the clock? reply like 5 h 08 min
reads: 6 h 52 min
